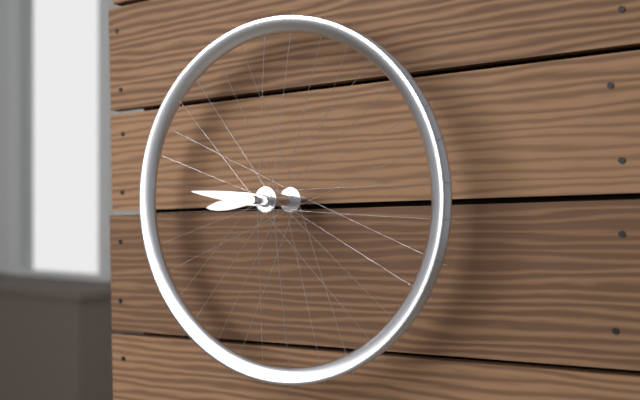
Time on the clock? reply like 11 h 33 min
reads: 8 h 46 min
